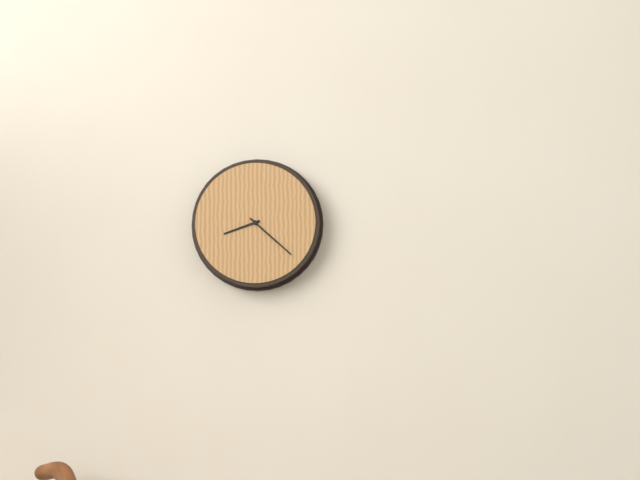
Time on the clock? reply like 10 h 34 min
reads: 8 h 22 min
